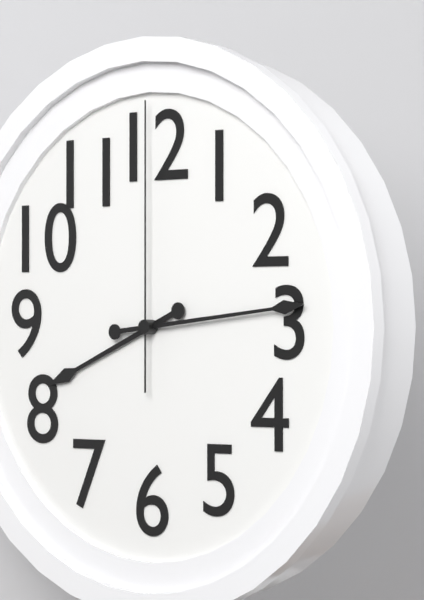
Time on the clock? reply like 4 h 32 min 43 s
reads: 8 h 14 min 00 s
